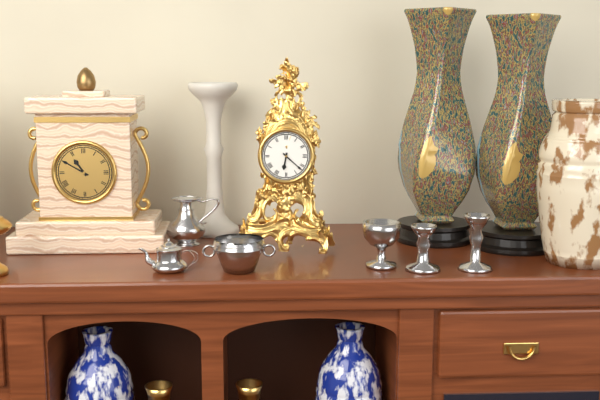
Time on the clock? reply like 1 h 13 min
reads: 6 h 22 min
